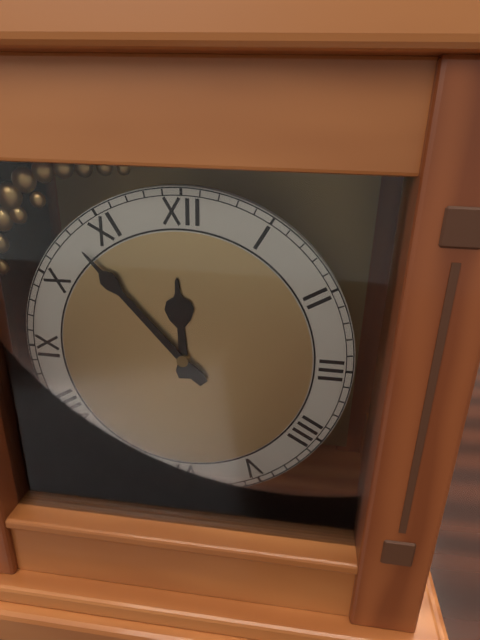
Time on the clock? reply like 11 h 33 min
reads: 11 h 53 min
